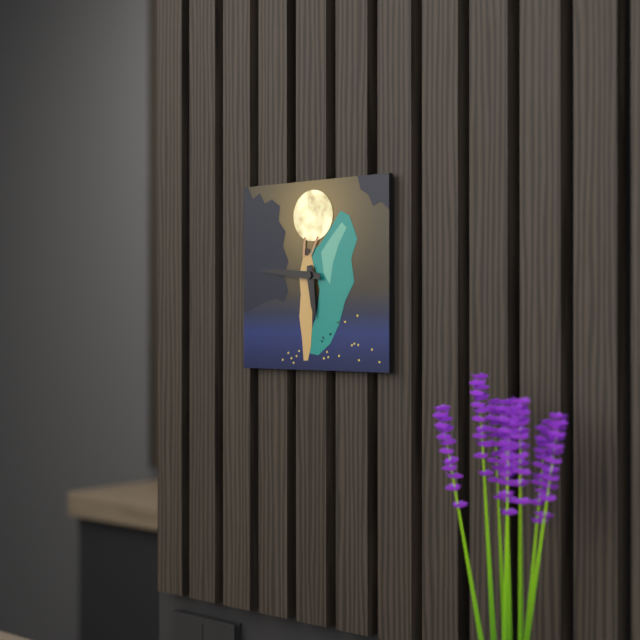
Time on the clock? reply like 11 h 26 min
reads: 5 h 46 min
